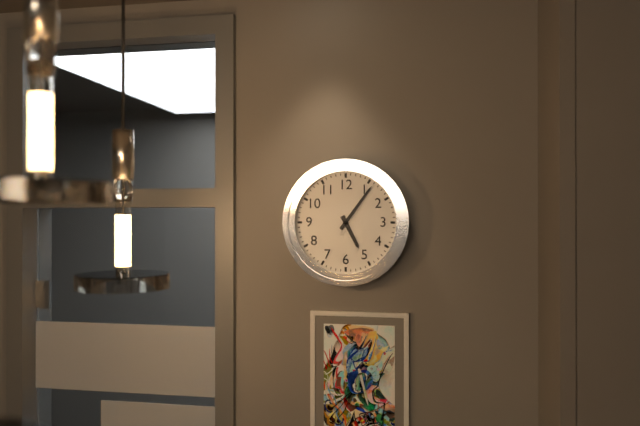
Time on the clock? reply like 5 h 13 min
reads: 5 h 06 min
